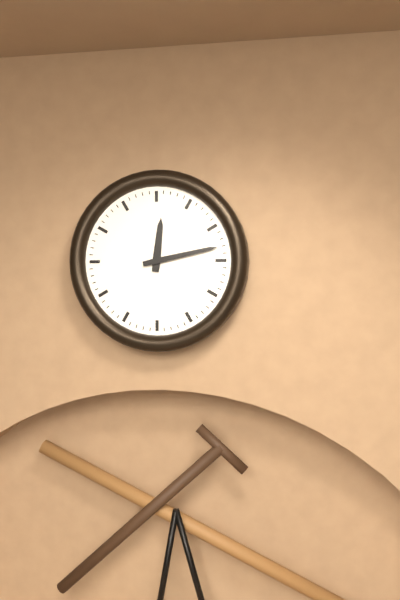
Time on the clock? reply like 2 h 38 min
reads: 12 h 13 min
